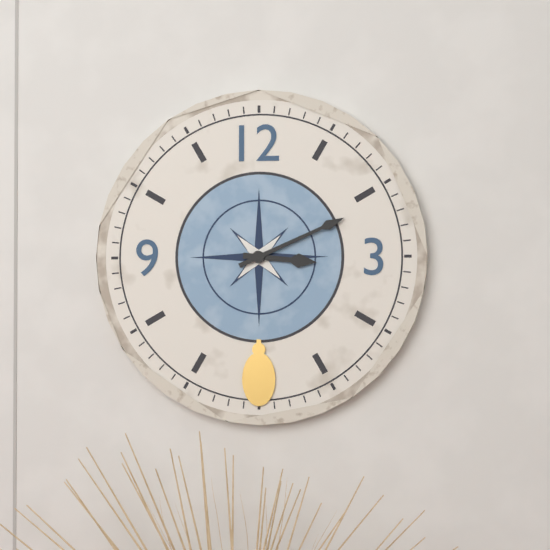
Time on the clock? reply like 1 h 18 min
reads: 3 h 11 min
